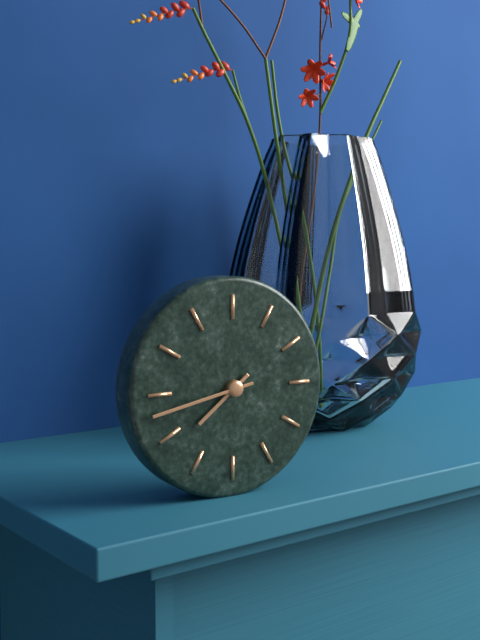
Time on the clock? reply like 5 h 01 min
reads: 7 h 43 min
